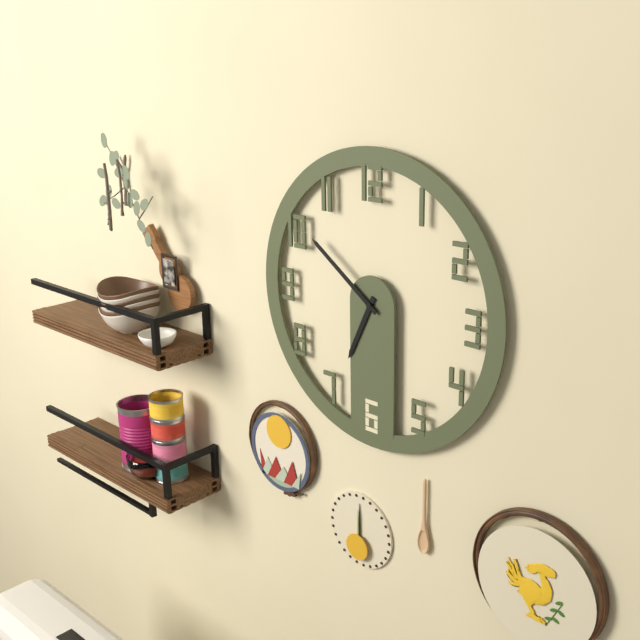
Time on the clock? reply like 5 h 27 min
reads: 6 h 51 min
